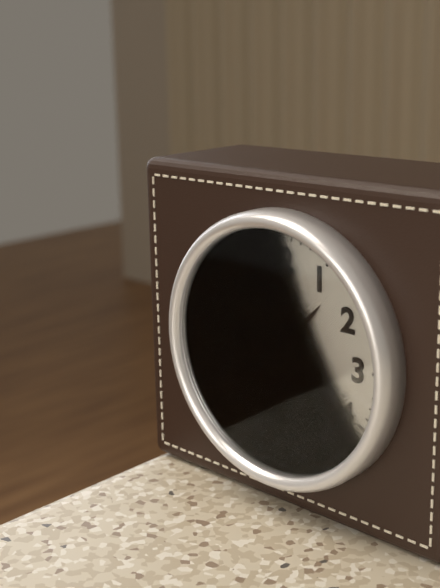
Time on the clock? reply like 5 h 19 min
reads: 1 h 23 min
